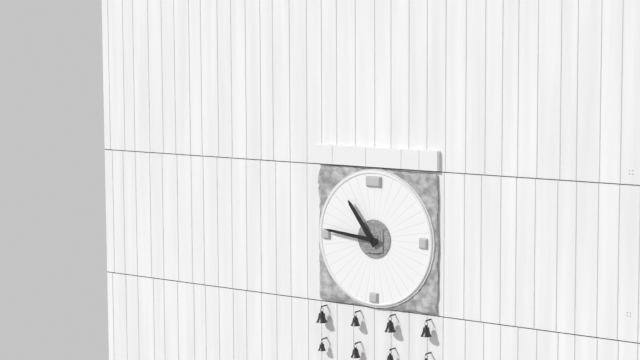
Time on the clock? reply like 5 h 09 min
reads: 10 h 46 min
